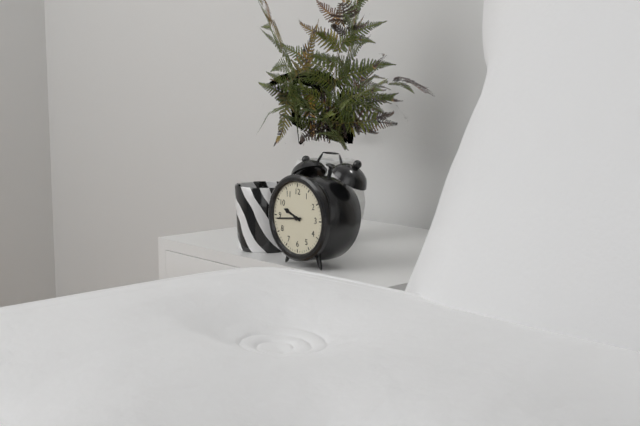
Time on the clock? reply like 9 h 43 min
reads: 9 h 44 min
